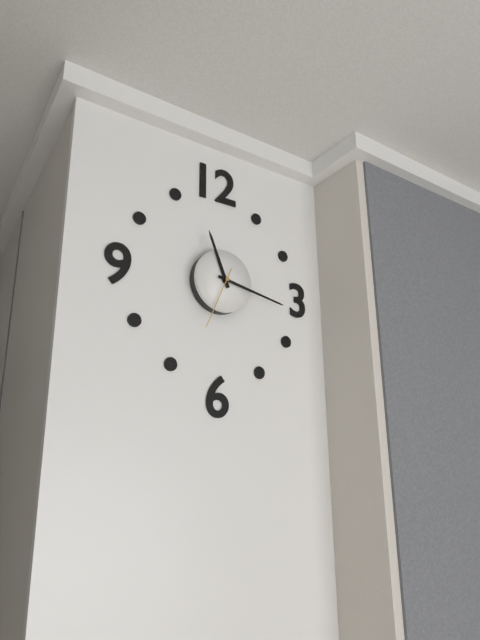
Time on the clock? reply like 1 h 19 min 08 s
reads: 11 h 17 min 34 s
